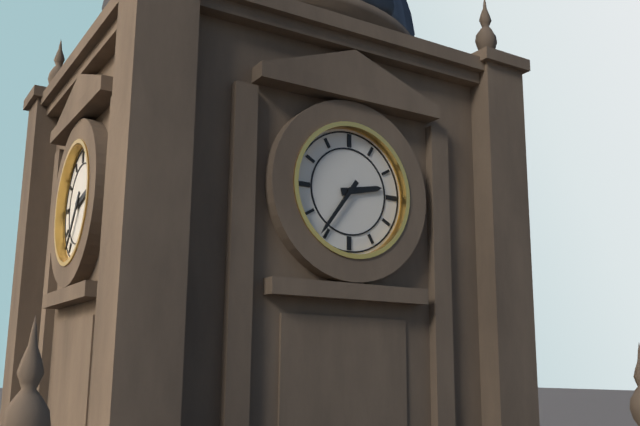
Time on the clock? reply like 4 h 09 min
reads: 2 h 36 min
